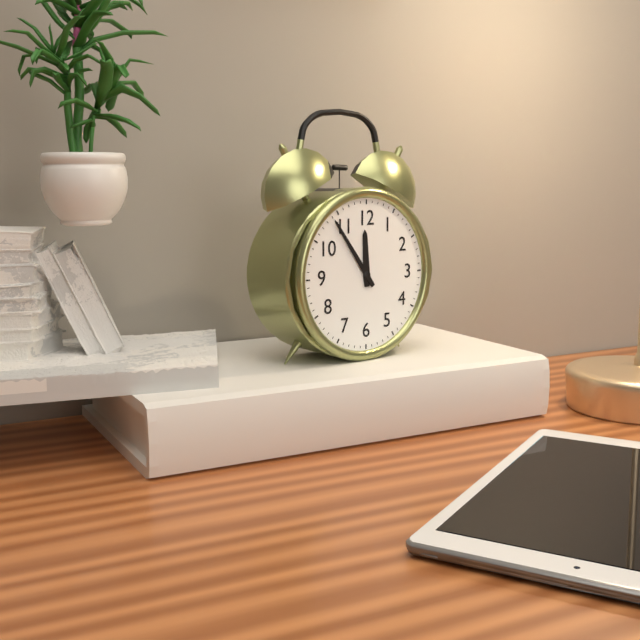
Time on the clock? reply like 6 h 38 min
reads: 11 h 54 min
